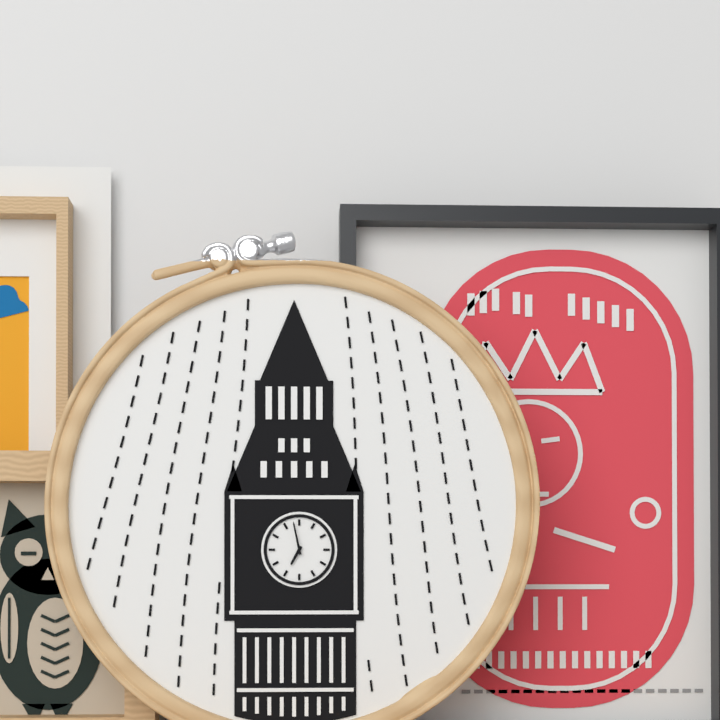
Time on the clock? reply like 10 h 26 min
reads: 6 h 58 min
